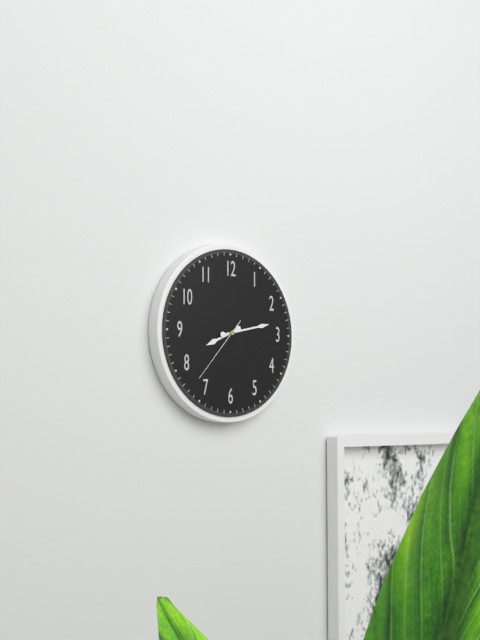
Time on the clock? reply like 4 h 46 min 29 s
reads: 8 h 13 min 37 s
